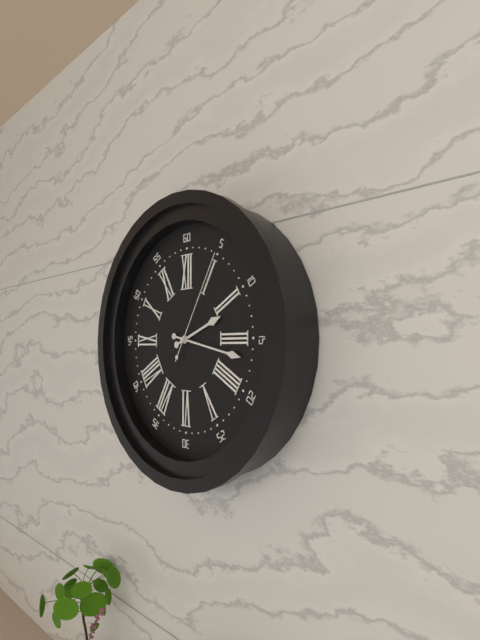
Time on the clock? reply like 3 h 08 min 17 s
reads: 2 h 17 min 05 s
